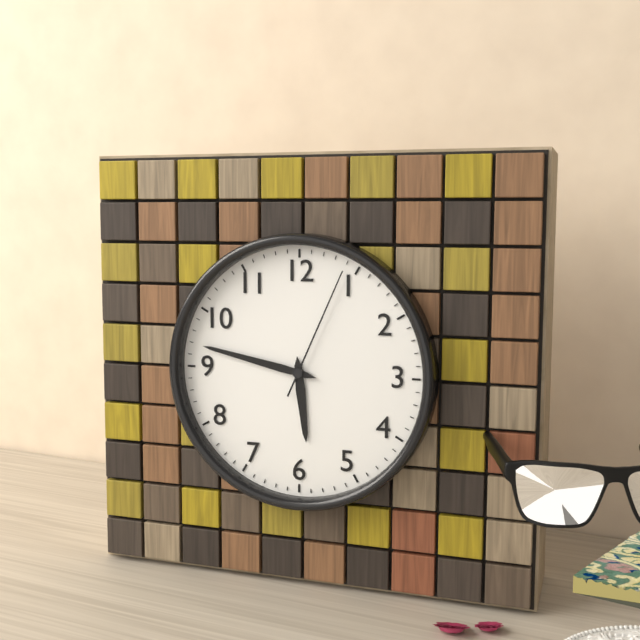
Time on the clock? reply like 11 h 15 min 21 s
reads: 5 h 47 min 04 s
